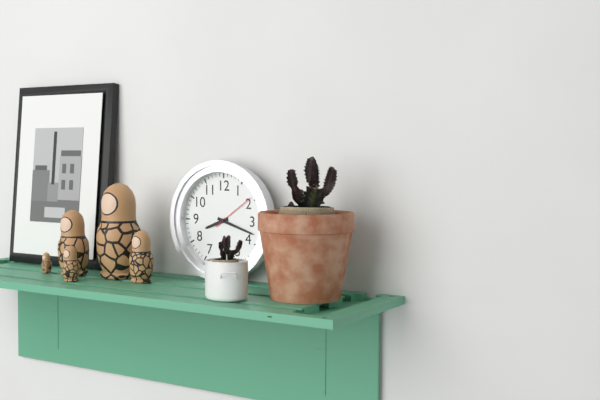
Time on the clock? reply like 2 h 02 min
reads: 8 h 18 min
